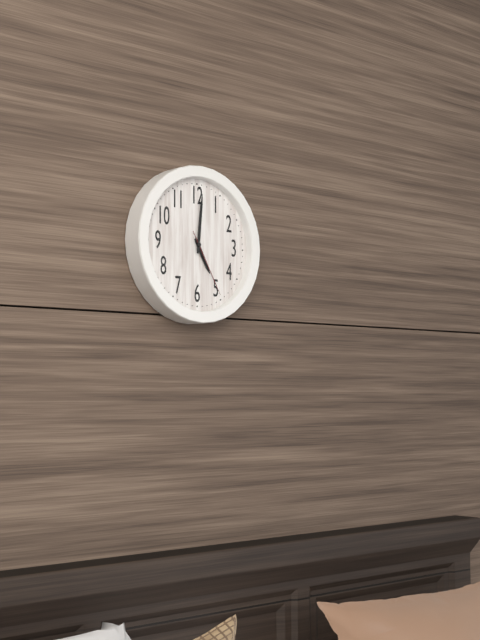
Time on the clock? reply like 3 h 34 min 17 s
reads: 5 h 01 min 25 s
